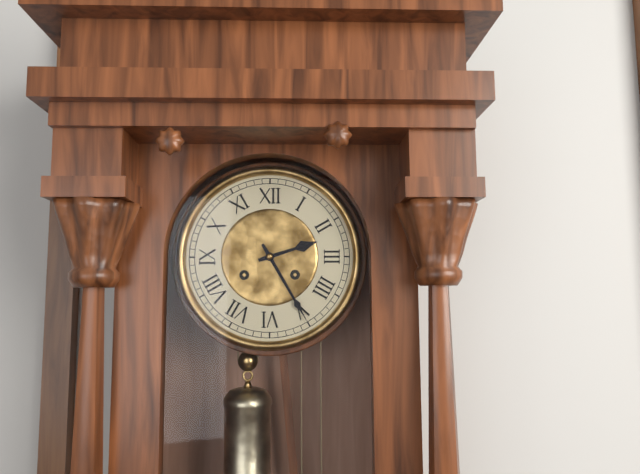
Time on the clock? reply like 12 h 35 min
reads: 2 h 25 min
